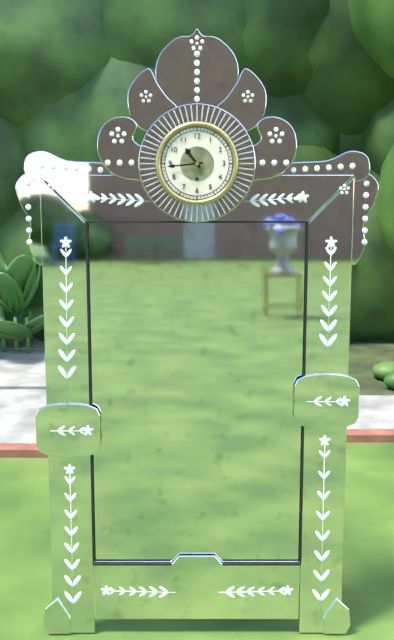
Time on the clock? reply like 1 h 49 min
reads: 10 h 44 min
